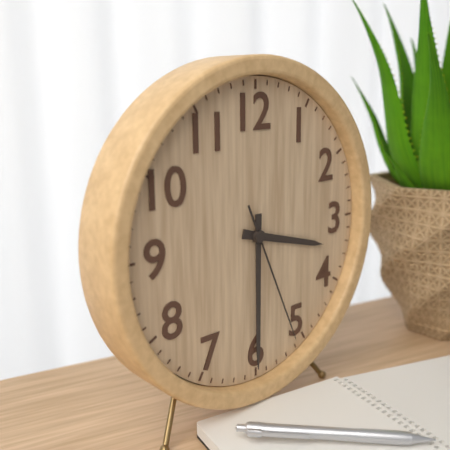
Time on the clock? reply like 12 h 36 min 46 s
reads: 3 h 30 min 26 s
